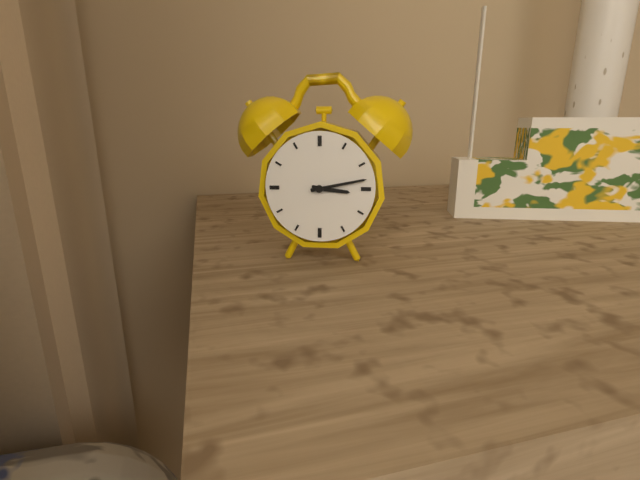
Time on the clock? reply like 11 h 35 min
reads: 3 h 13 min
